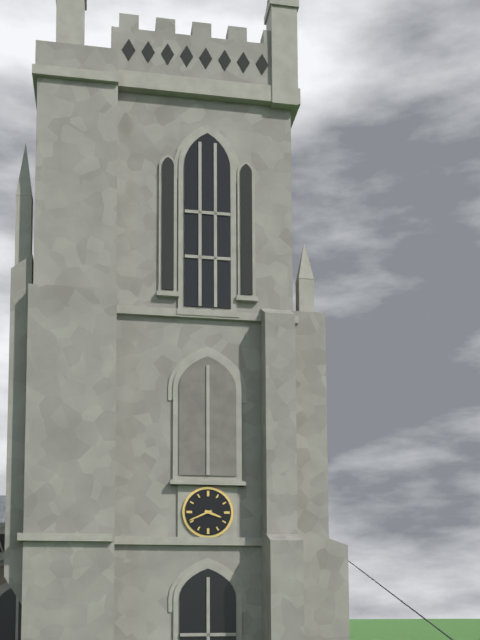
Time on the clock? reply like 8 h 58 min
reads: 3 h 41 min
